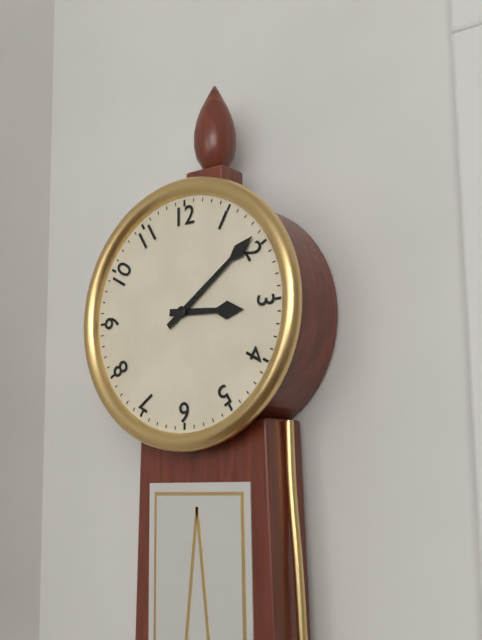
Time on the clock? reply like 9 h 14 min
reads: 3 h 09 min
